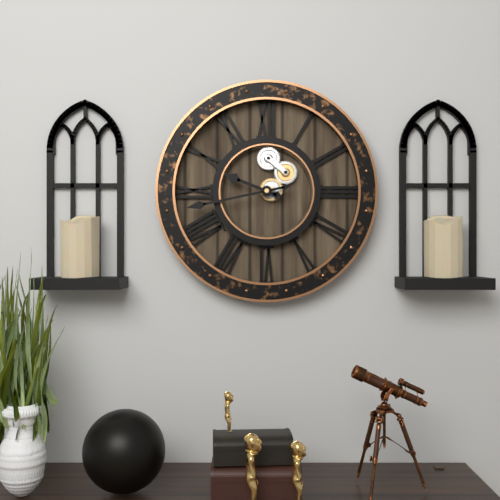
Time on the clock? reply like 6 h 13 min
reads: 9 h 43 min
